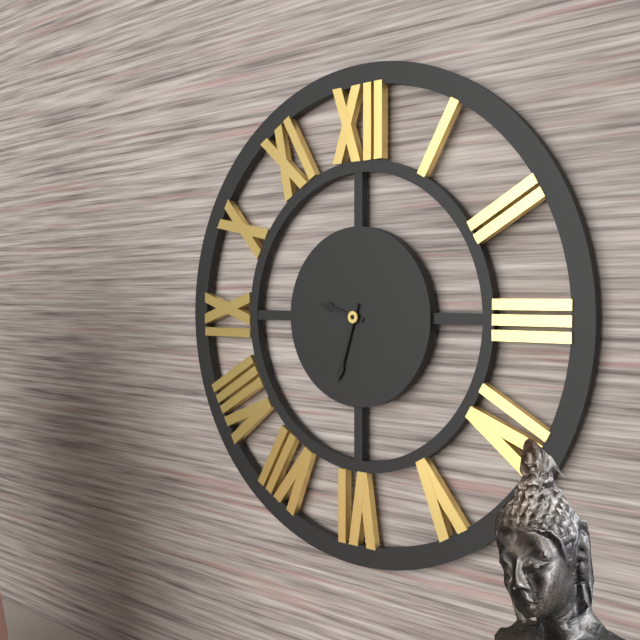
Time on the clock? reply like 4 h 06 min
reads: 9 h 33 min
